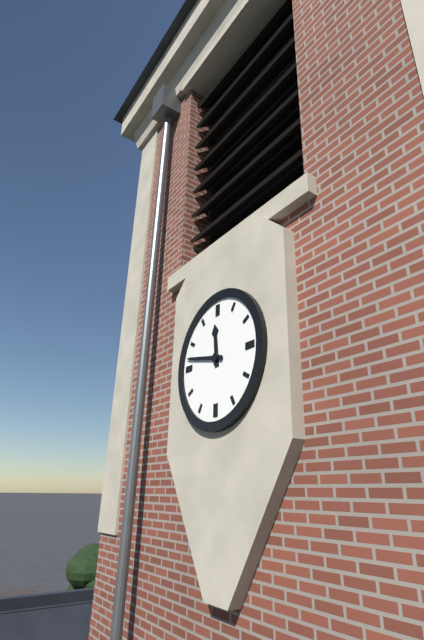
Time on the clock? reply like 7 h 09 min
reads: 11 h 47 min
